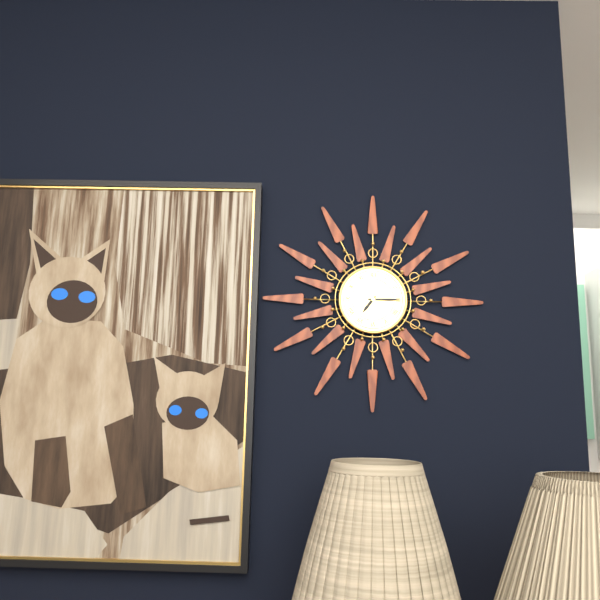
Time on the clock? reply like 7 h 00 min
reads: 7 h 15 min
